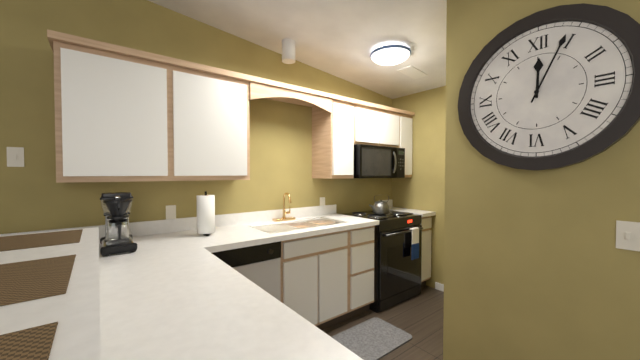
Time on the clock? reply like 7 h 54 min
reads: 12 h 04 min
